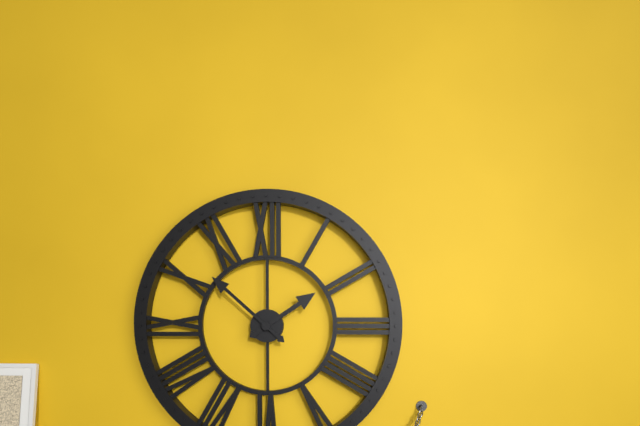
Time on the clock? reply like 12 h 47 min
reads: 1 h 52 min
